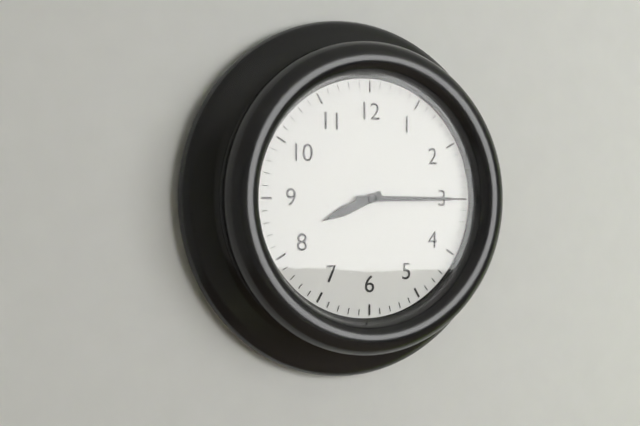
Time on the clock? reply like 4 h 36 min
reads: 8 h 15 min
